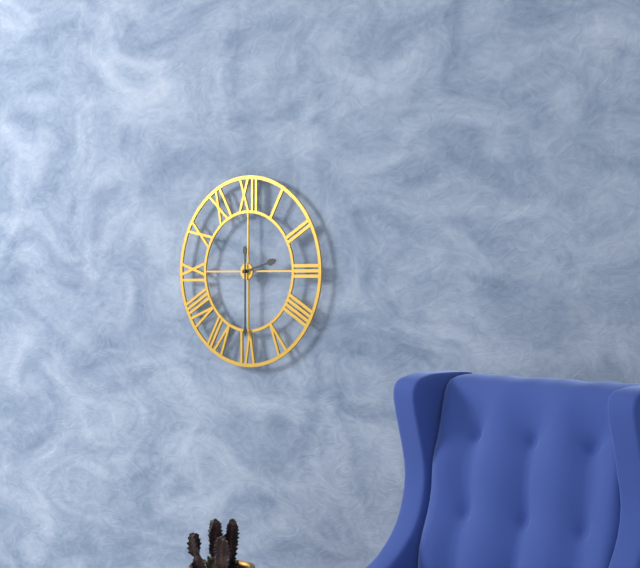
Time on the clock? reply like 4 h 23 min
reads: 2 h 30 min
